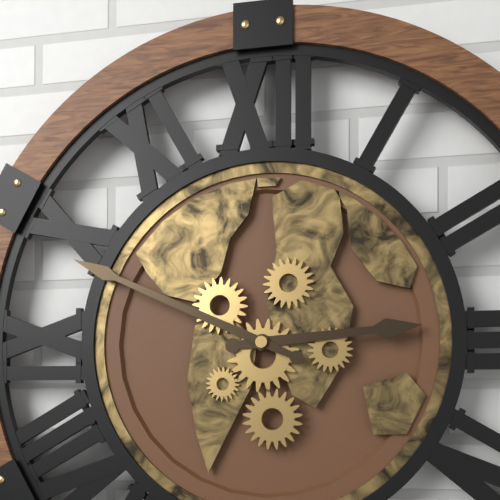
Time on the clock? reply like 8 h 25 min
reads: 2 h 49 min
